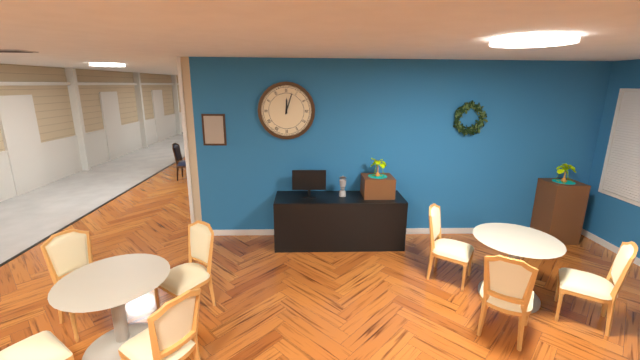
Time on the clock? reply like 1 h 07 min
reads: 12 h 03 min
